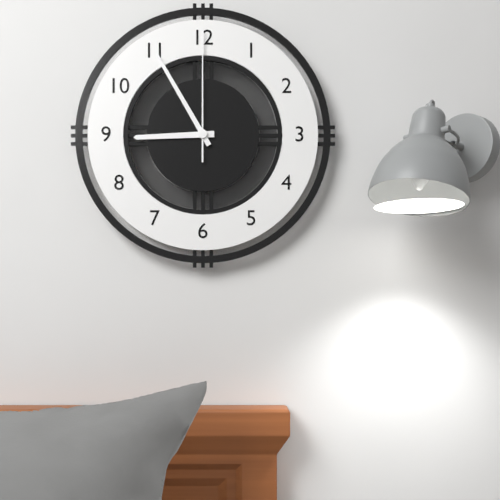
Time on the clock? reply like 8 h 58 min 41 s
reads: 8 h 55 min 00 s
